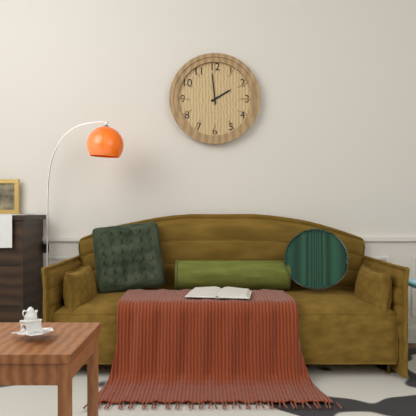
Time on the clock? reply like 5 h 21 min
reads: 1 h 59 min
